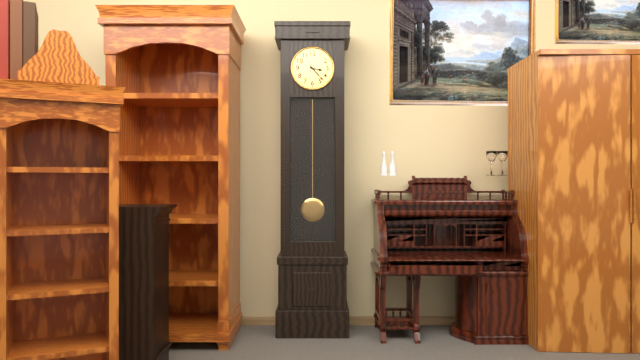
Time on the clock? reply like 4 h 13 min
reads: 3 h 23 min
